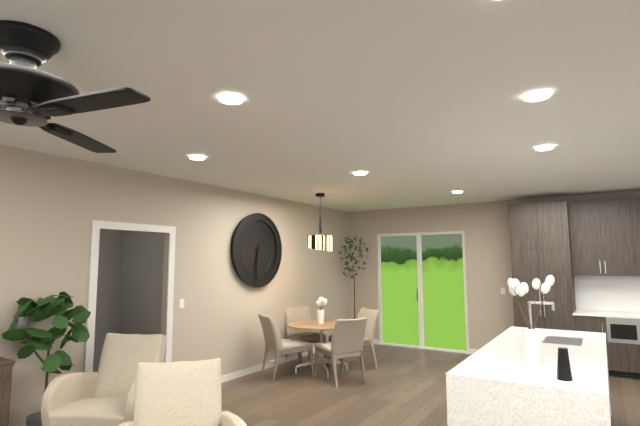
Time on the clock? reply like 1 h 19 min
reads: 6 h 31 min
